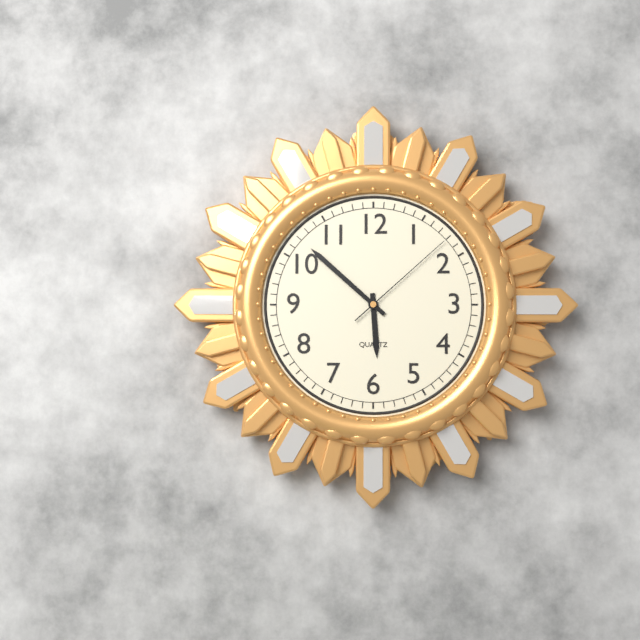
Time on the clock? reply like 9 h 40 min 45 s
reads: 5 h 52 min 08 s
